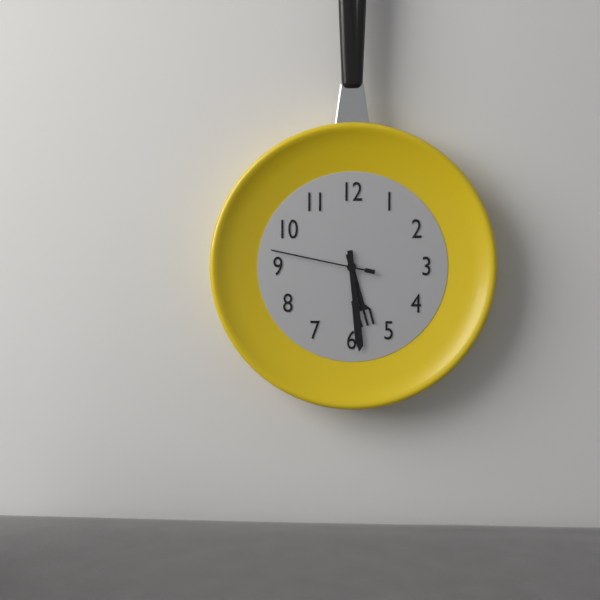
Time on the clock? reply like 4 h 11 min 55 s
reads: 5 h 29 min 47 s
